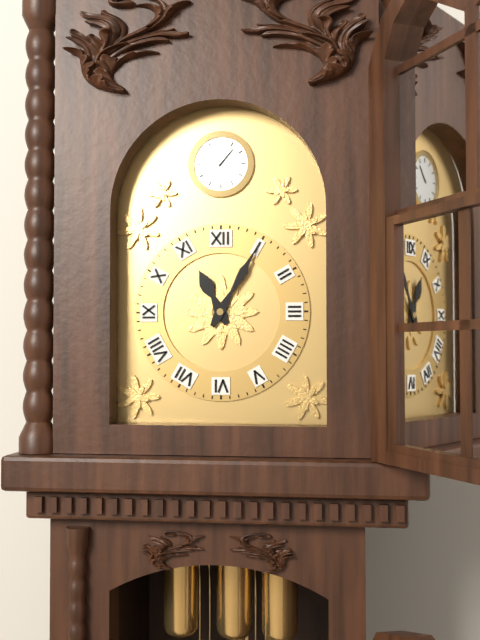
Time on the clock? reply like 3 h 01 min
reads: 11 h 05 min
